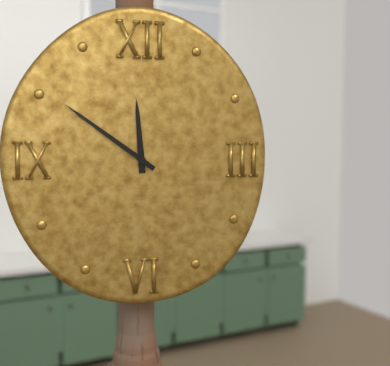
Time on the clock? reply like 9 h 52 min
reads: 11 h 51 min
